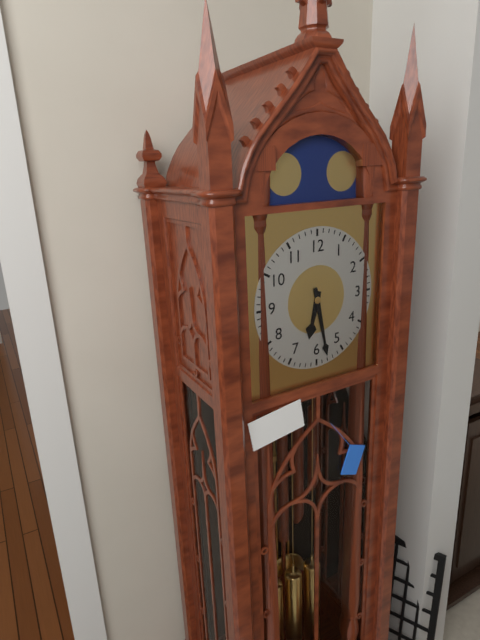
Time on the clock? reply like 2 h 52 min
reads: 6 h 28 min
